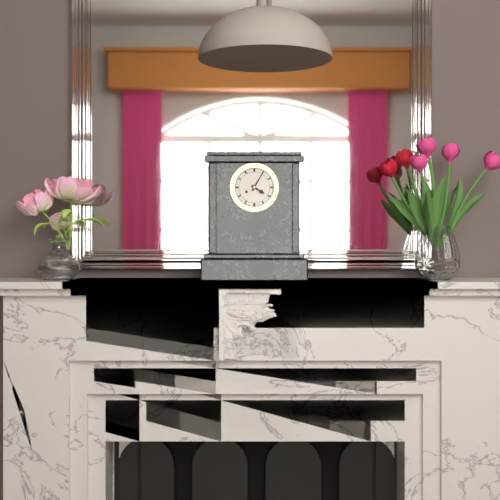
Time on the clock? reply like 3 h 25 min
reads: 4 h 05 min
